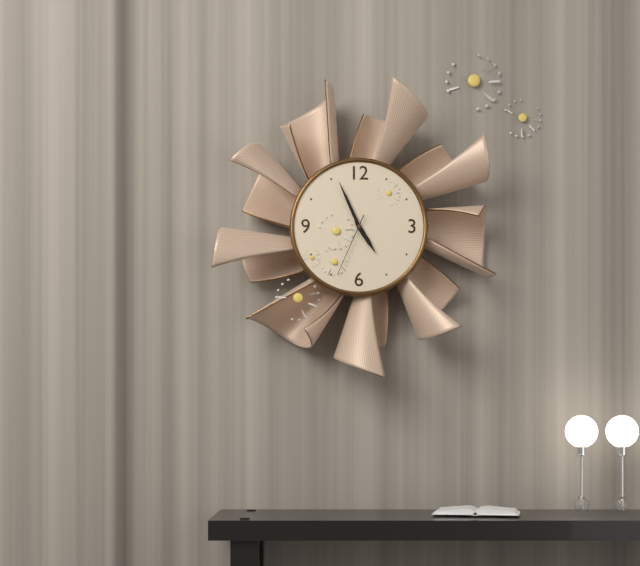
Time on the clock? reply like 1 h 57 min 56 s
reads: 4 h 56 min 34 s
